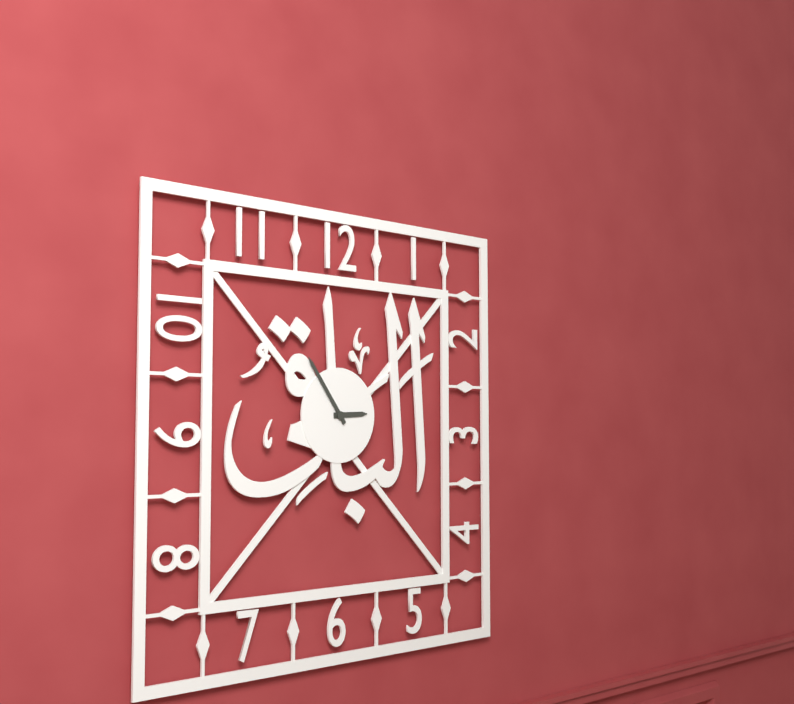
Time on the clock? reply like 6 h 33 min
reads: 2 h 54 min
